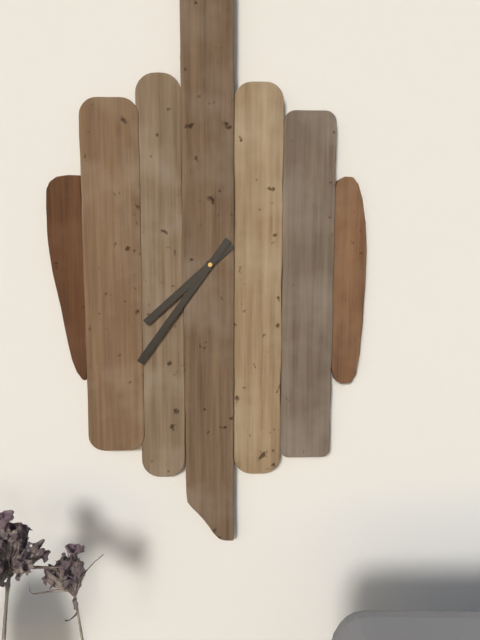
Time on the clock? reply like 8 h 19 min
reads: 7 h 36 min
